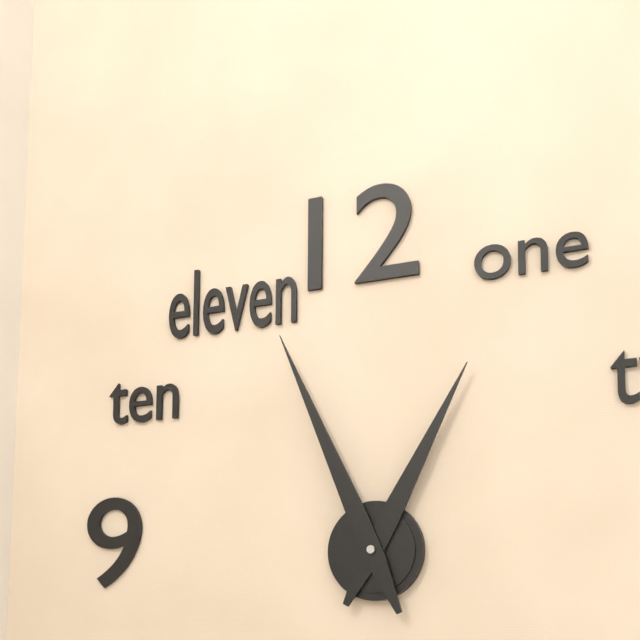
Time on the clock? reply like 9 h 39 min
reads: 12 h 56 min
